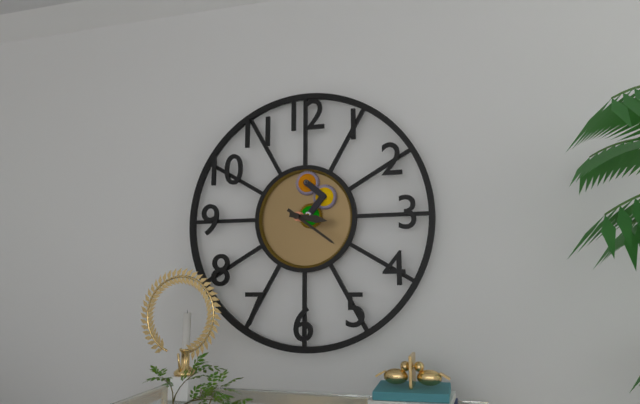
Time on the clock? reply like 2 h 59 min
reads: 3 h 21 min
